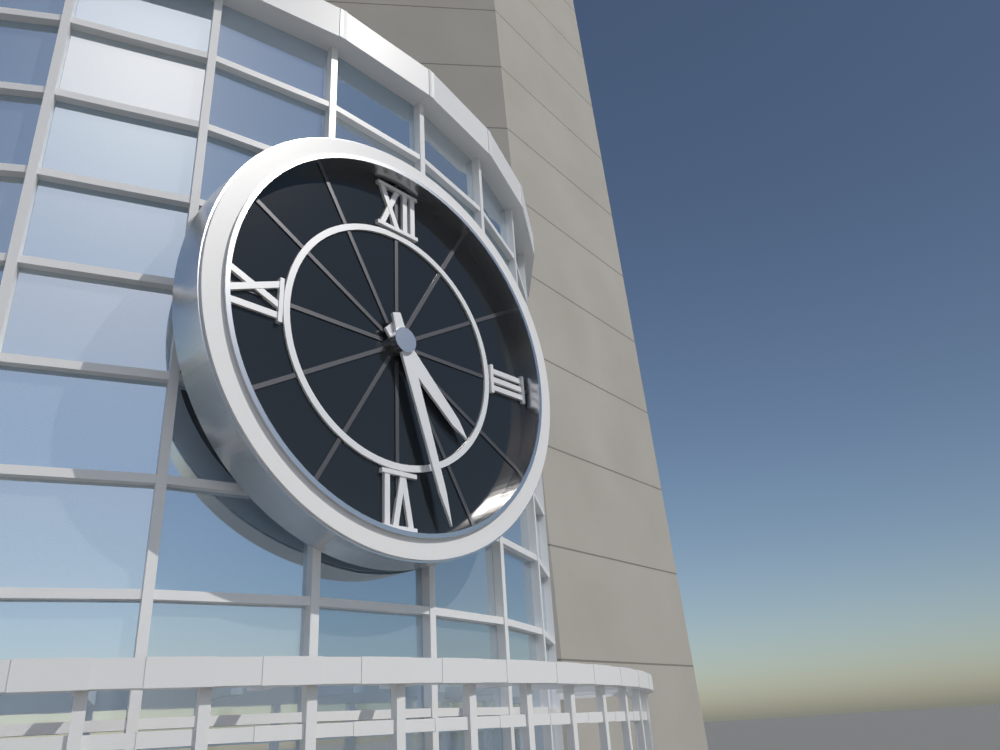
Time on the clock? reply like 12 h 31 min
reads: 4 h 27 min
